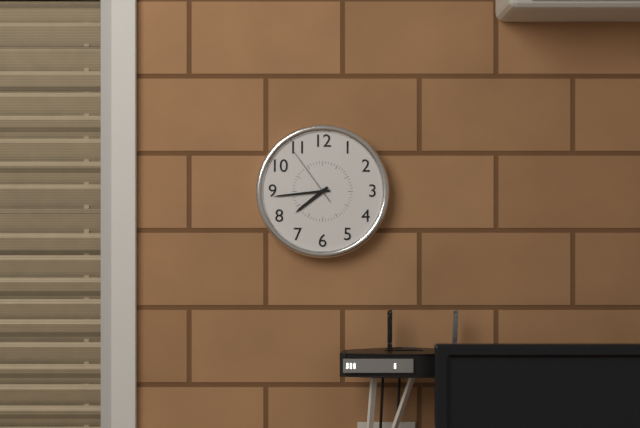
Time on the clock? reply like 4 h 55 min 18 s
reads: 7 h 44 min 54 s
